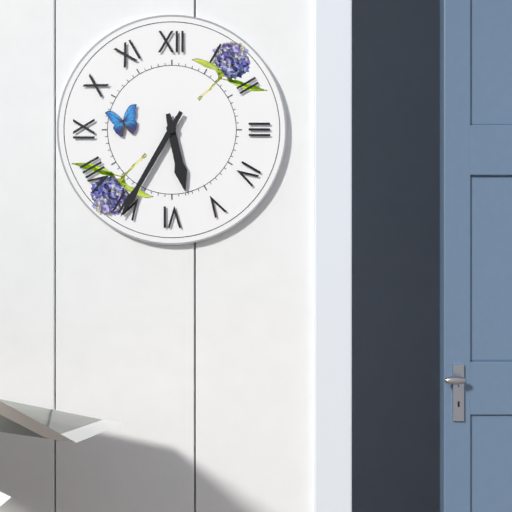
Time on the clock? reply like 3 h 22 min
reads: 5 h 35 min
